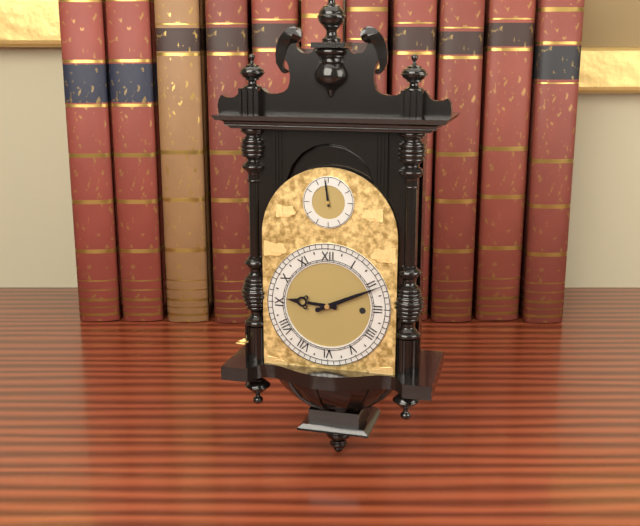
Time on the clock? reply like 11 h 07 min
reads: 9 h 11 min
